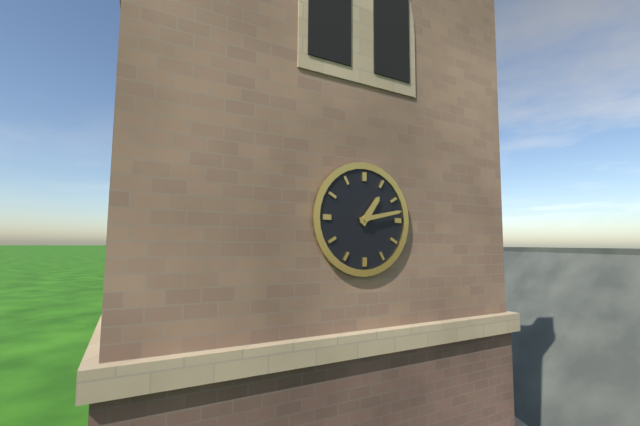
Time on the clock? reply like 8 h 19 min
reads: 1 h 13 min
